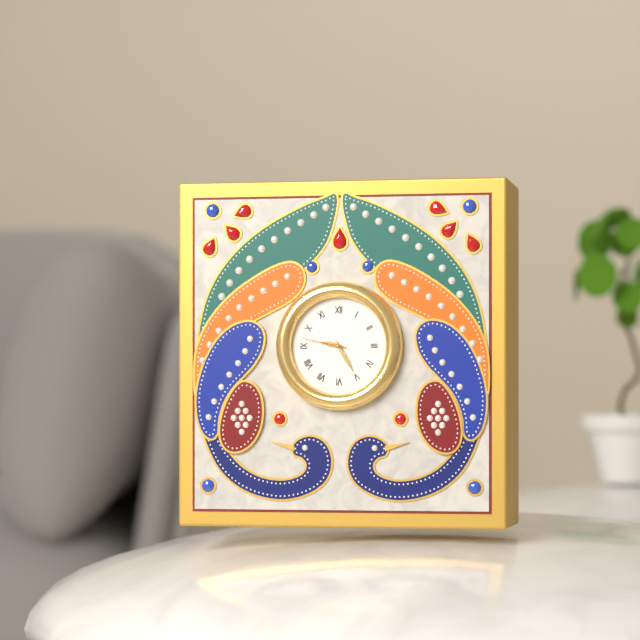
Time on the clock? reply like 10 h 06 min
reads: 9 h 25 min
